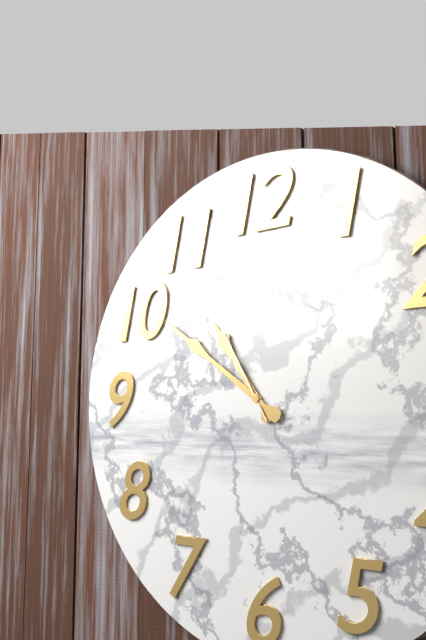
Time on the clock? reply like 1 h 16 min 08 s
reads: 10 h 51 min 55 s
